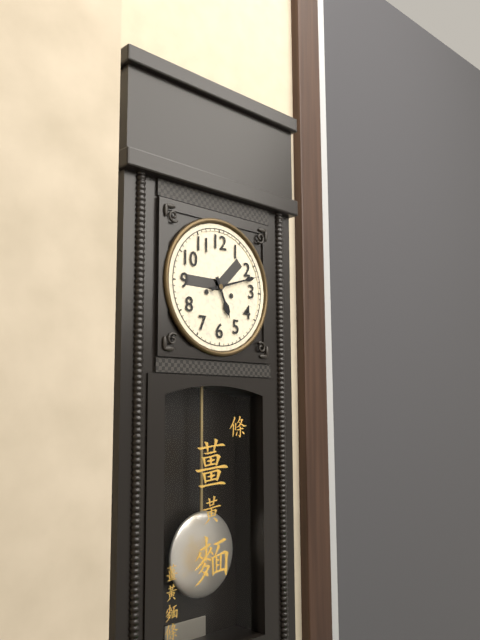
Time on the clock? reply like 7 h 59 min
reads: 5 h 12 min
